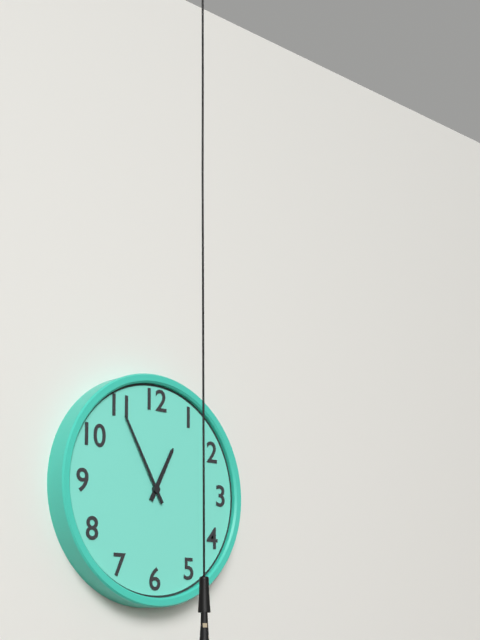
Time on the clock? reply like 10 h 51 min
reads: 12 h 55 min
